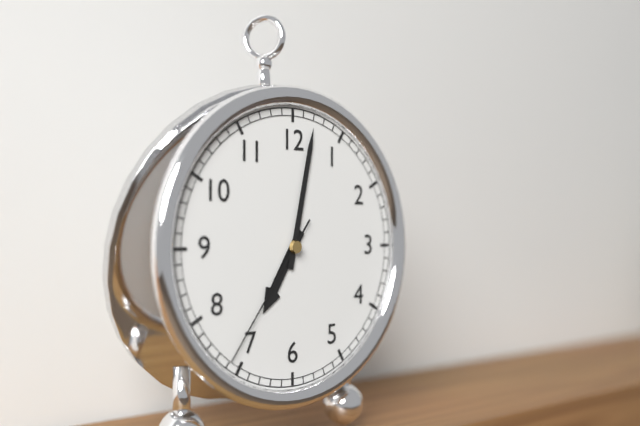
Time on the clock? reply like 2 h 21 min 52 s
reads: 7 h 02 min 36 s
